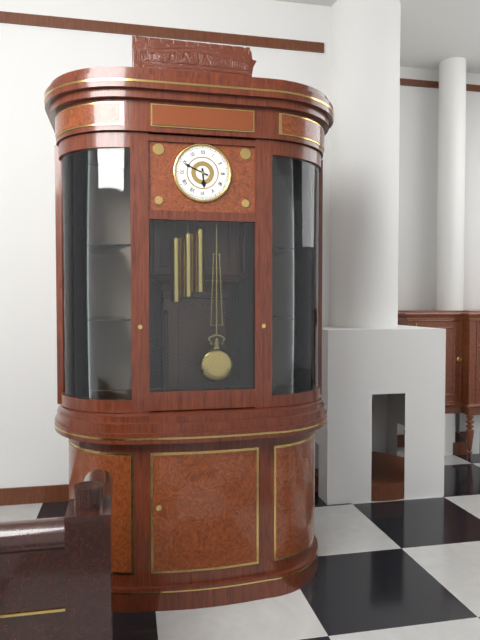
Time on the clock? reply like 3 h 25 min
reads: 5 h 49 min
